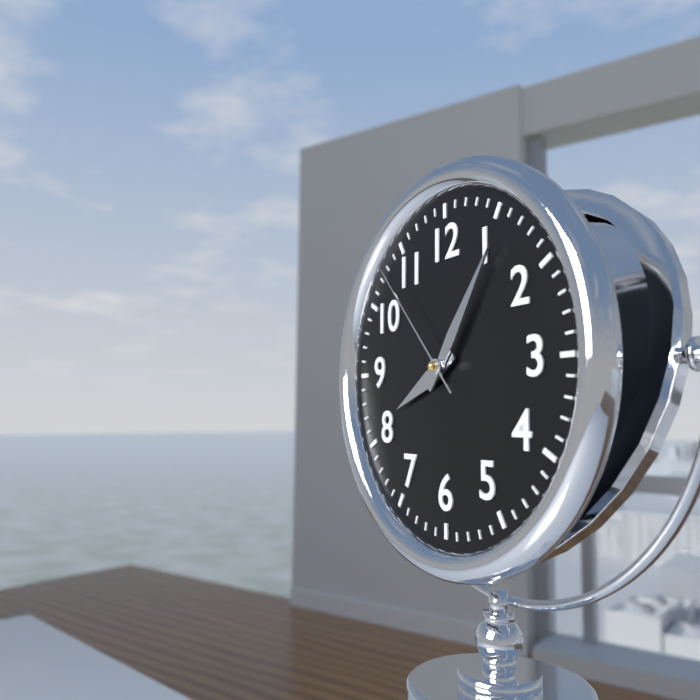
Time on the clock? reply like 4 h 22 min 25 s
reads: 8 h 06 min 53 s
